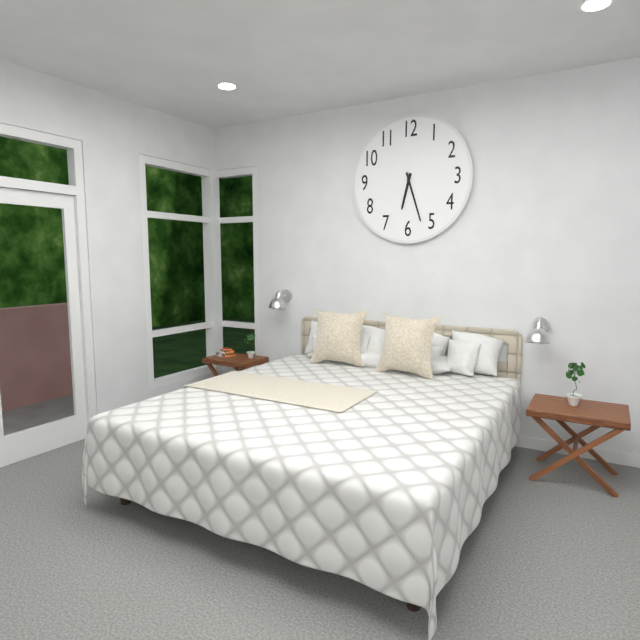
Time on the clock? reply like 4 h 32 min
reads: 6 h 27 min
